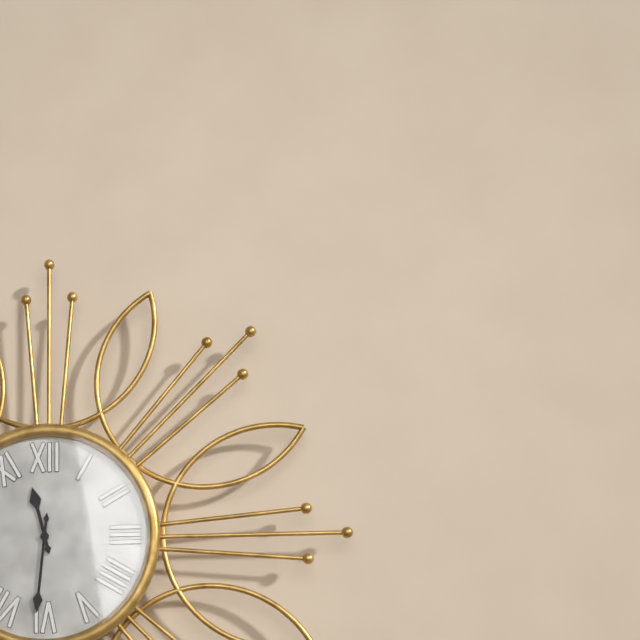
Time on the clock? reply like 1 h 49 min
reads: 11 h 31 min
